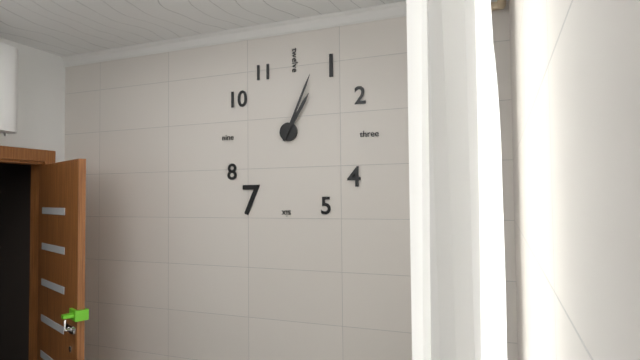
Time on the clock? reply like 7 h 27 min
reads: 1 h 04 min
